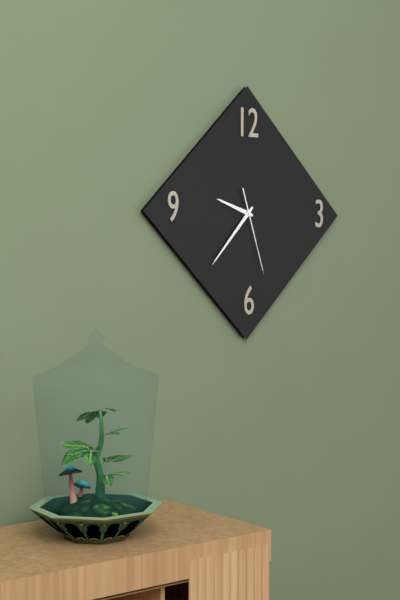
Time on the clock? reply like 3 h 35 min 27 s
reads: 9 h 37 min 27 s
